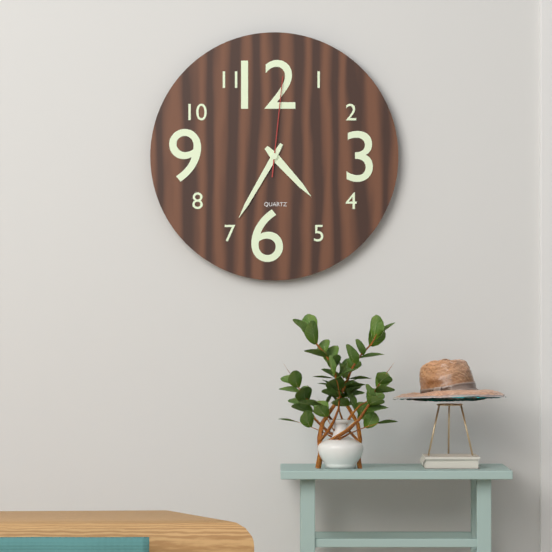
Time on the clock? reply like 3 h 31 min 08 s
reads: 4 h 35 min 01 s
